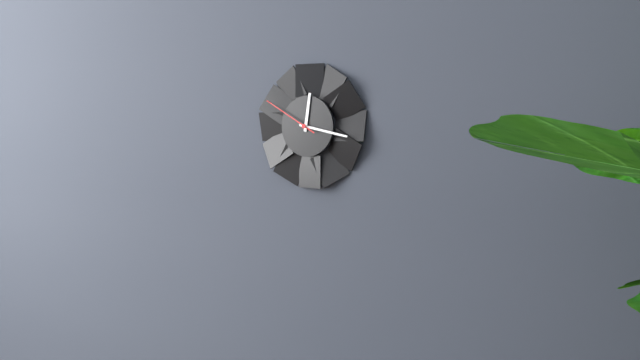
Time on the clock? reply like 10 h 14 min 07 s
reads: 12 h 17 min 50 s
